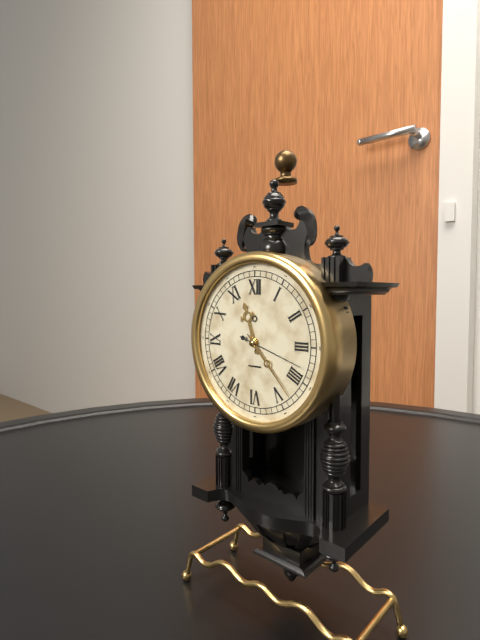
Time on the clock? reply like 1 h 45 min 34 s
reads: 11 h 23 min 18 s
